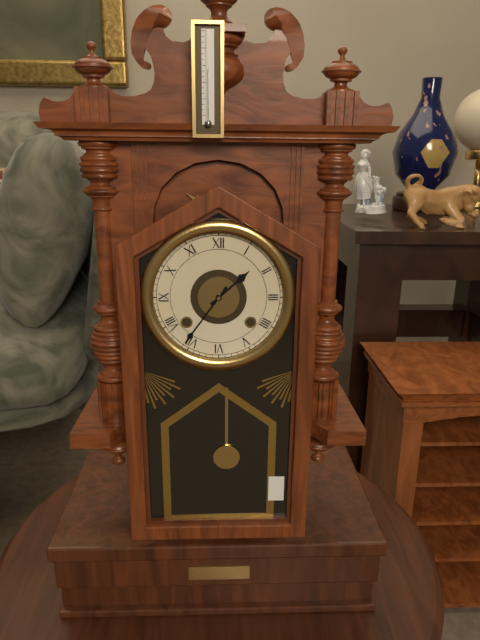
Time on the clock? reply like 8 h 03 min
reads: 1 h 36 min
